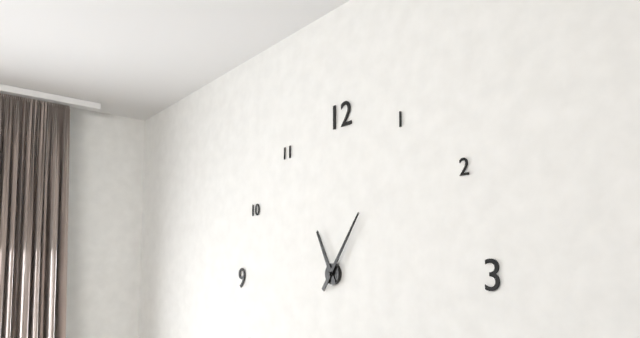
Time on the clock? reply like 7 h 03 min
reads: 11 h 06 min
